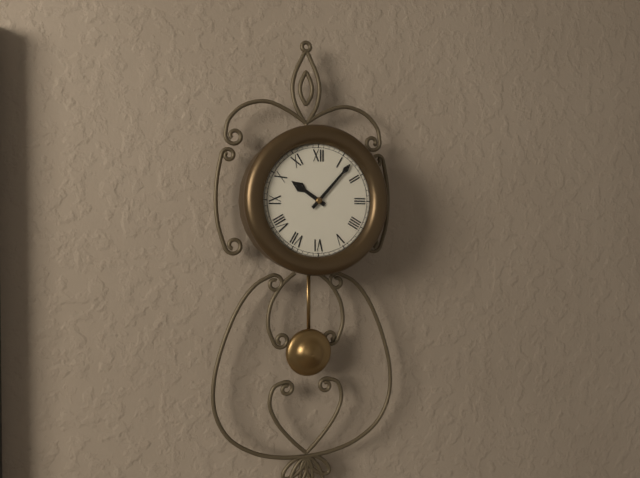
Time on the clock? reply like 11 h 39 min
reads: 10 h 07 min
